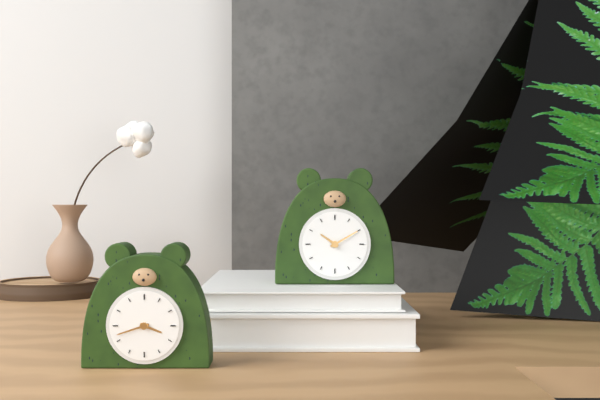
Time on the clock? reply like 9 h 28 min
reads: 3 h 42 min
